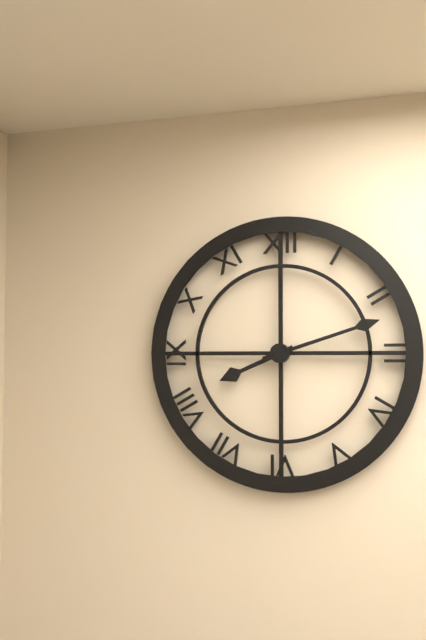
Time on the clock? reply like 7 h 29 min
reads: 8 h 12 min
